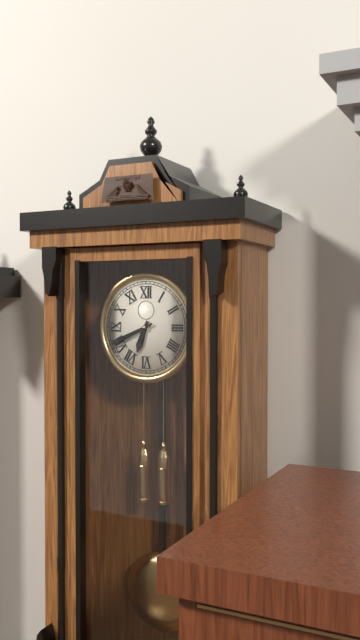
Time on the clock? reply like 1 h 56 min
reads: 6 h 41 min
